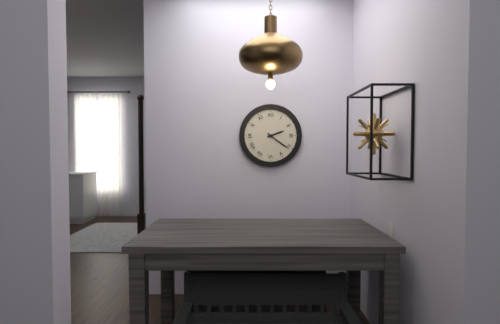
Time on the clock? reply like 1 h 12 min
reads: 2 h 21 min
